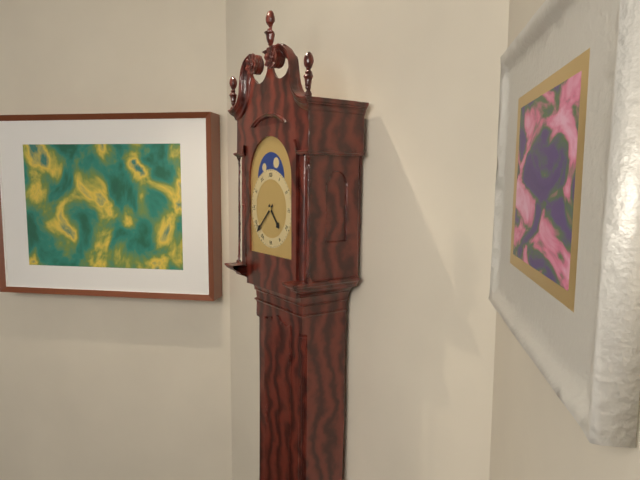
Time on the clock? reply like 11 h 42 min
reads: 4 h 38 min
